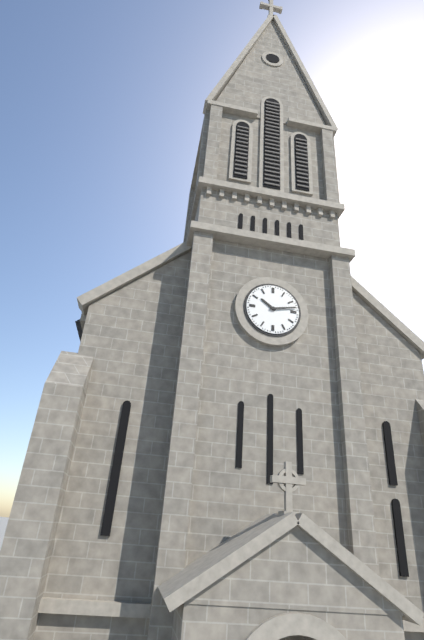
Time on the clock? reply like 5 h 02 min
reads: 10 h 13 min
